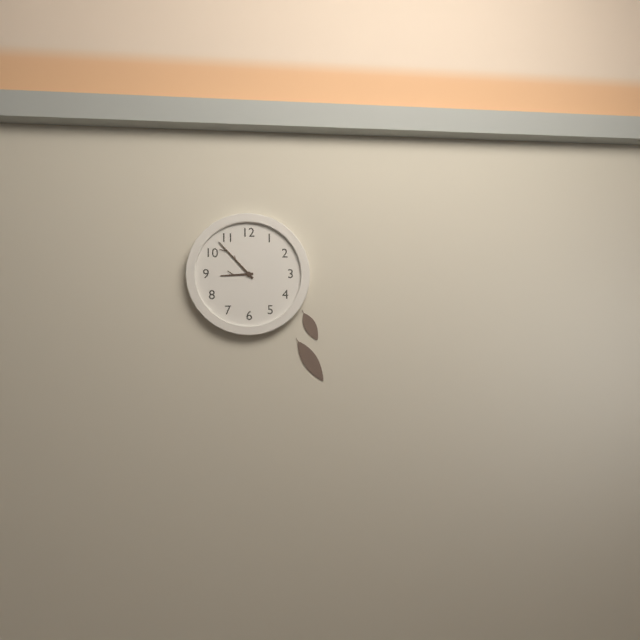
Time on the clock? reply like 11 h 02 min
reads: 8 h 53 min
